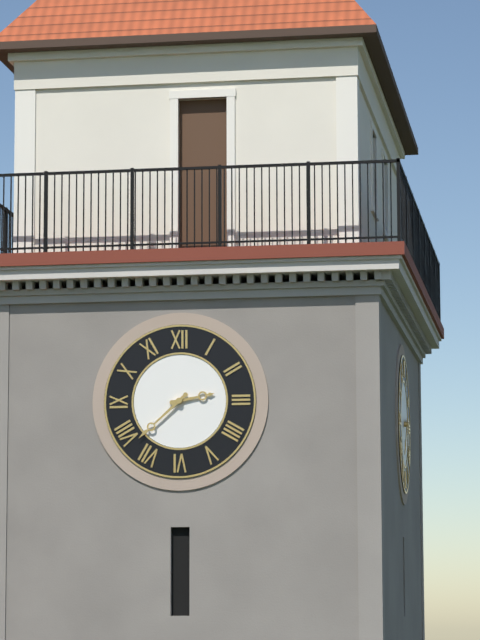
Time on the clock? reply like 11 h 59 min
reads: 2 h 38 min
